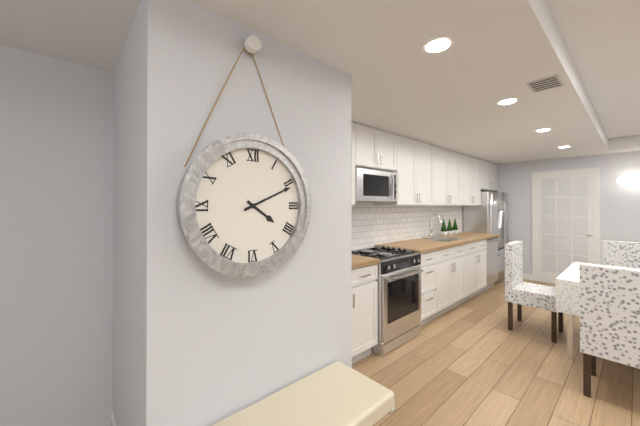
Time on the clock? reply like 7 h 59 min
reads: 4 h 11 min
